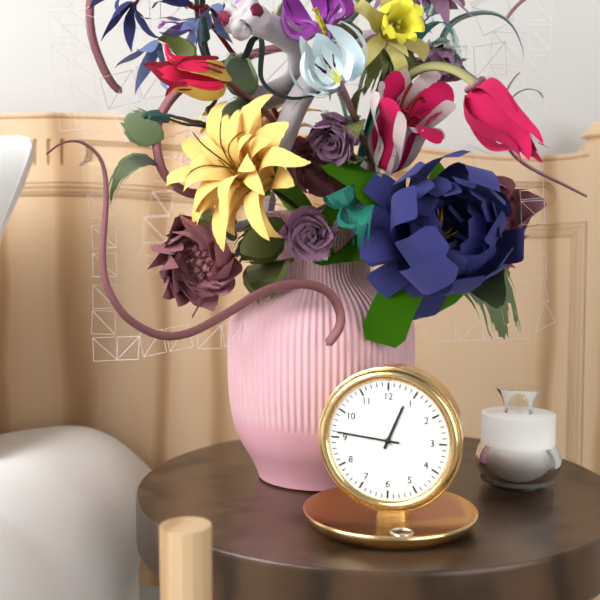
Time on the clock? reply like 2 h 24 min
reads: 12 h 46 min
